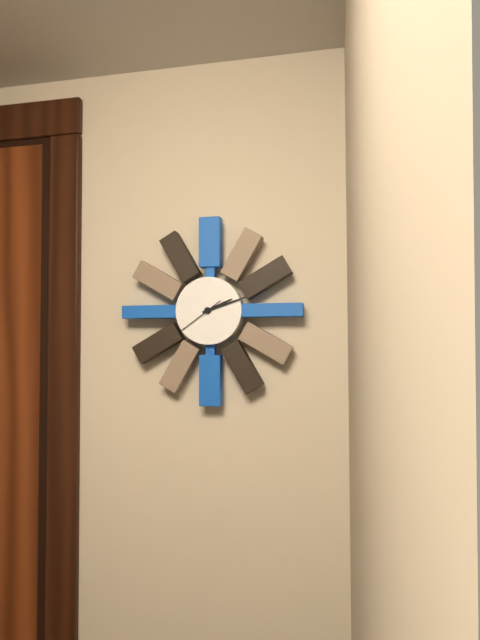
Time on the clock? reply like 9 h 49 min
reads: 2 h 12 min
